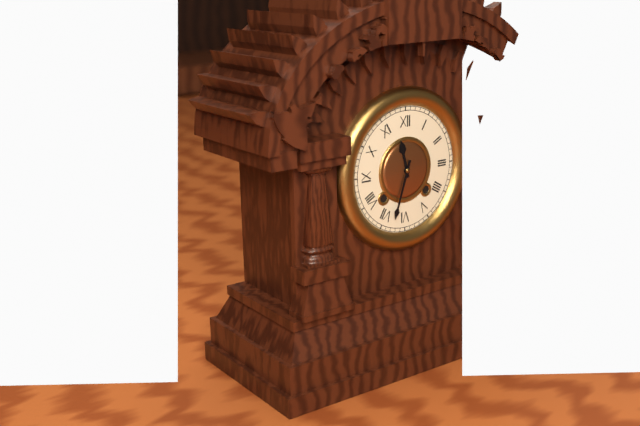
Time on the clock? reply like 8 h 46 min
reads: 11 h 33 min
